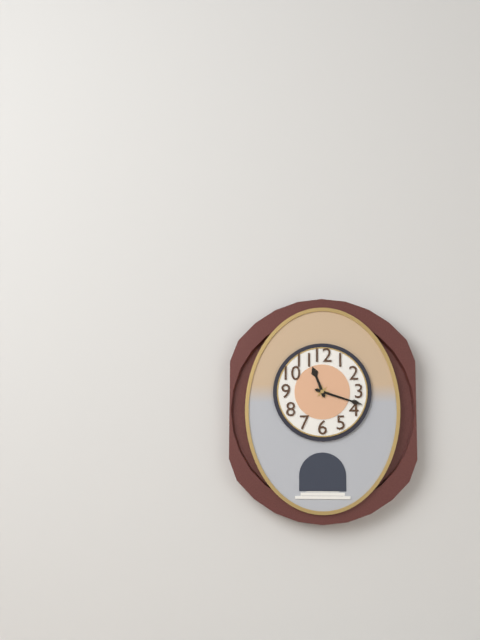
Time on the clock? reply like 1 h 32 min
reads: 11 h 18 min
